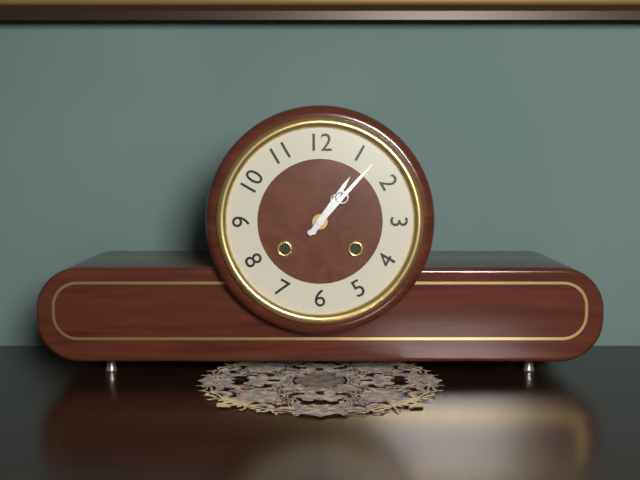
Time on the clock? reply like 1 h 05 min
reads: 1 h 07 min
